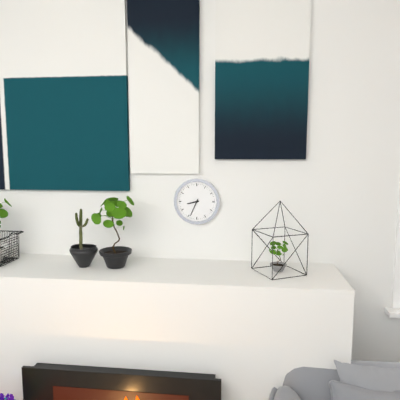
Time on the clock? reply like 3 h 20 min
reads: 8 h 34 min
